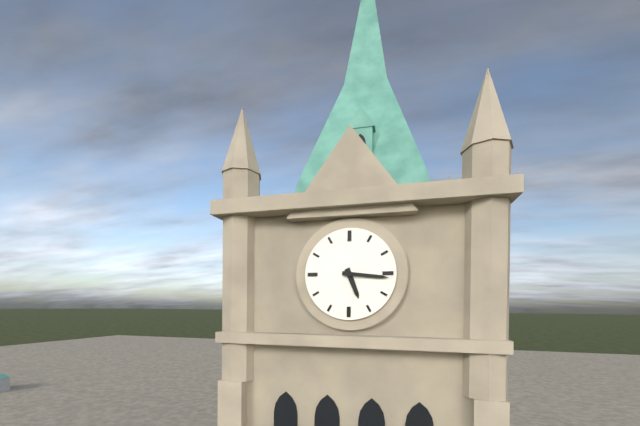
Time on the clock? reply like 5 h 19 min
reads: 5 h 16 min
